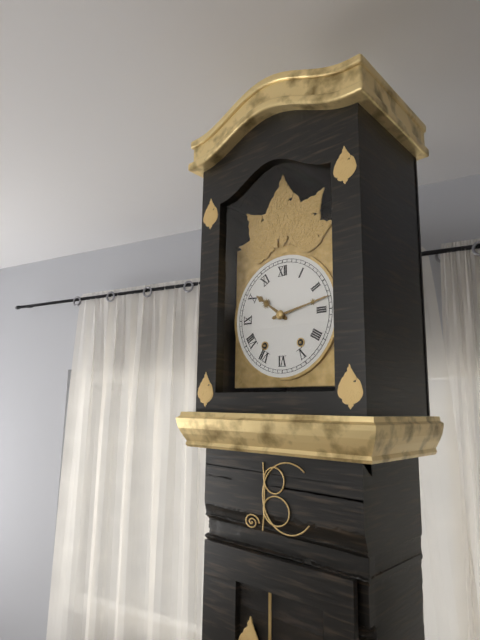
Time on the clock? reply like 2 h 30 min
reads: 10 h 13 min
